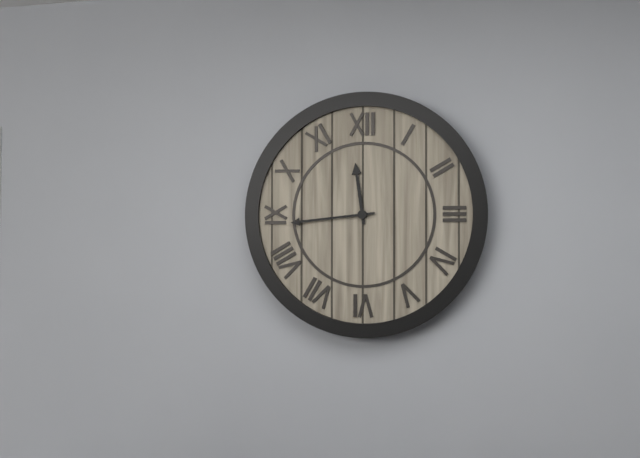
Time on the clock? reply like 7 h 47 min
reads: 11 h 44 min
